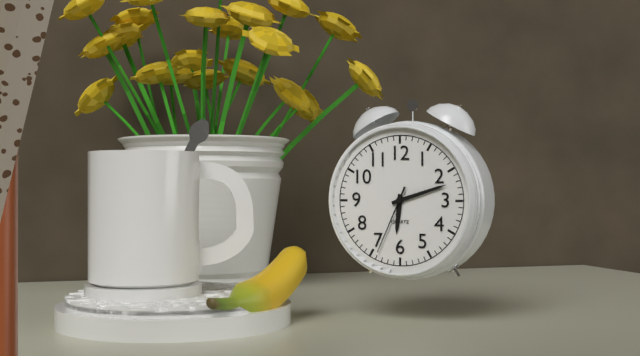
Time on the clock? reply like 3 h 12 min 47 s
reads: 6 h 12 min 34 s
